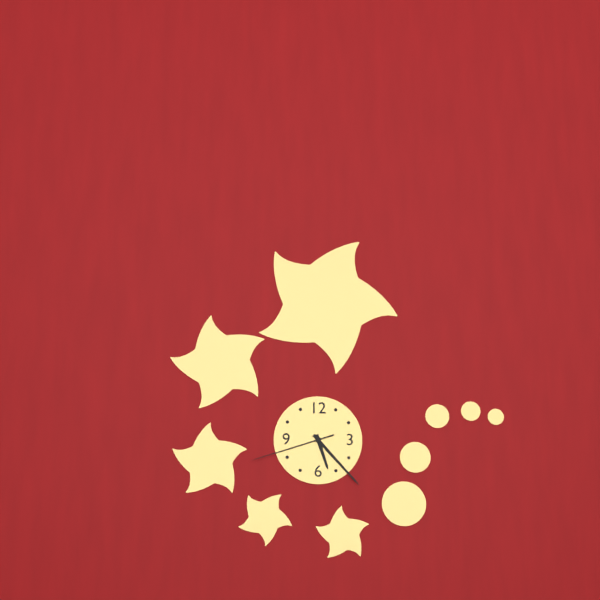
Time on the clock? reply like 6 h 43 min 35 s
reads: 5 h 23 min 42 s
